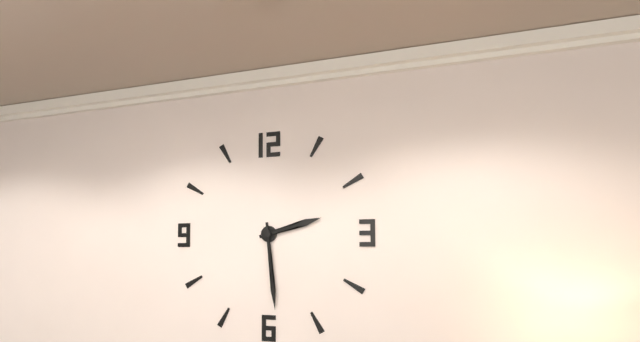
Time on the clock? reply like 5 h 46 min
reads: 2 h 29 min
